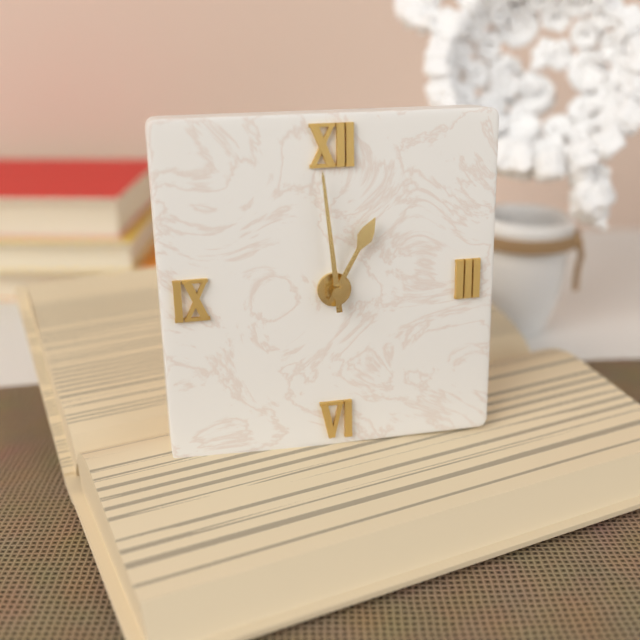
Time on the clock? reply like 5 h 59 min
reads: 12 h 59 min
